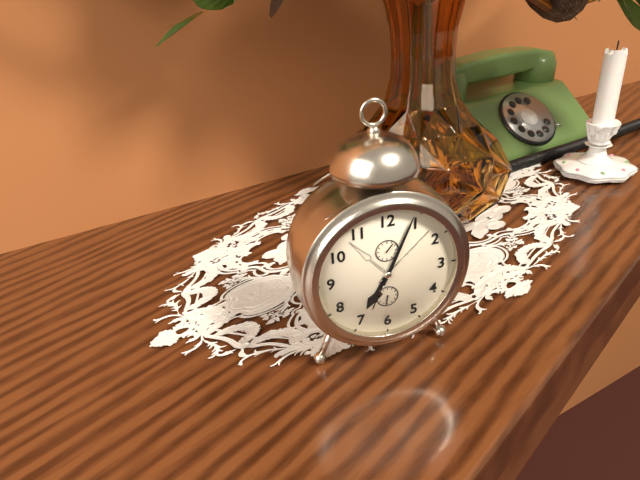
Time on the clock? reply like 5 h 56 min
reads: 7 h 04 min
